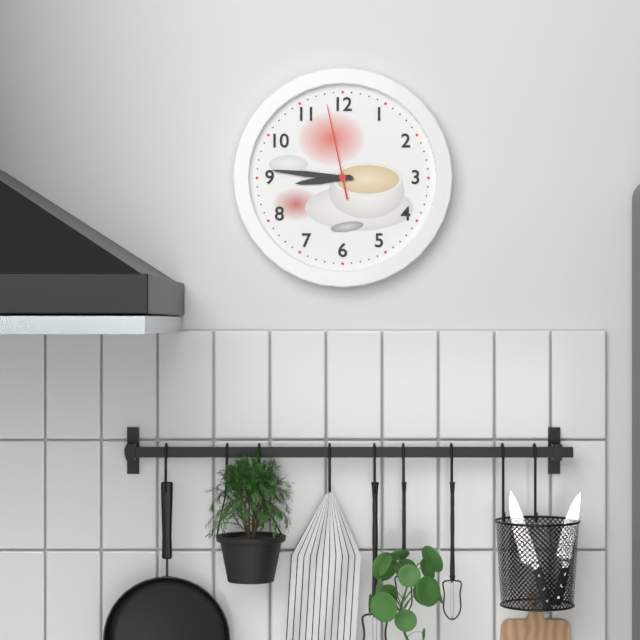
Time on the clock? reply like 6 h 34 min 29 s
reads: 8 h 46 min 58 s
